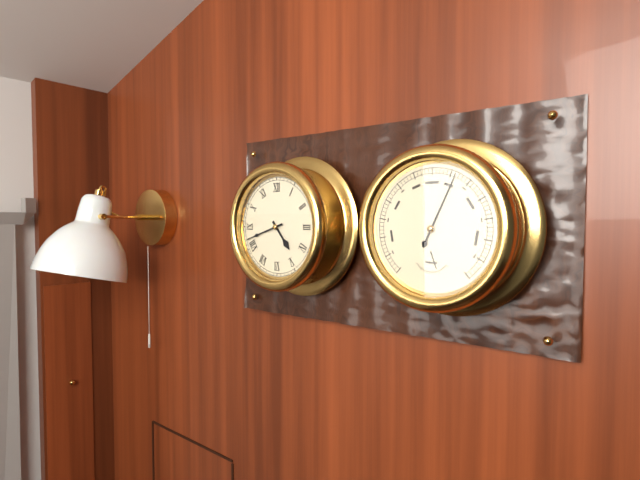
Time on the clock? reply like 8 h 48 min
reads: 4 h 42 min
